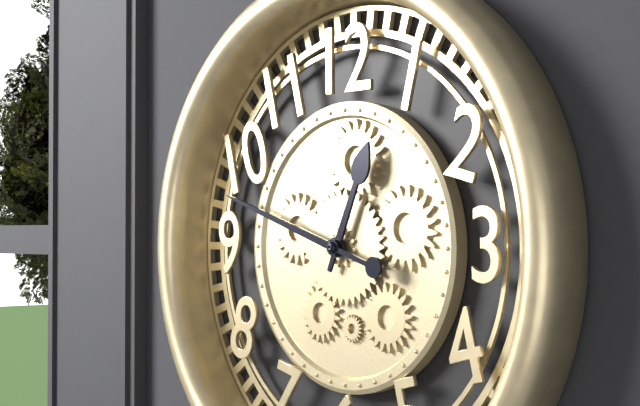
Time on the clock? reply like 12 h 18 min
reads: 12 h 48 min
